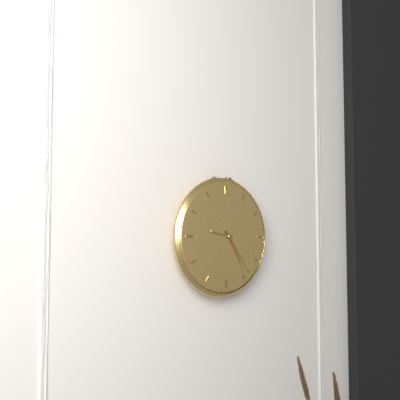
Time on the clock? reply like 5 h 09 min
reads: 9 h 24 min
